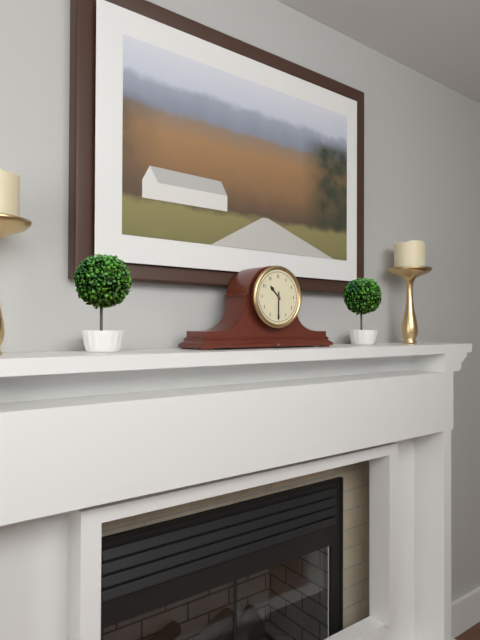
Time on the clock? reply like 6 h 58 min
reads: 10 h 30 min
